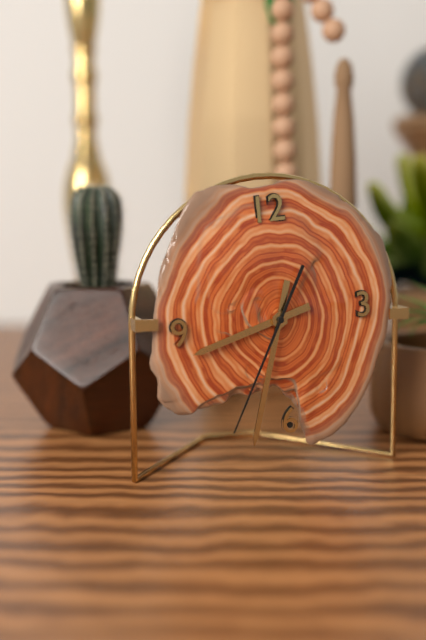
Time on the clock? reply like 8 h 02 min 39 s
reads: 8 h 33 min 35 s
